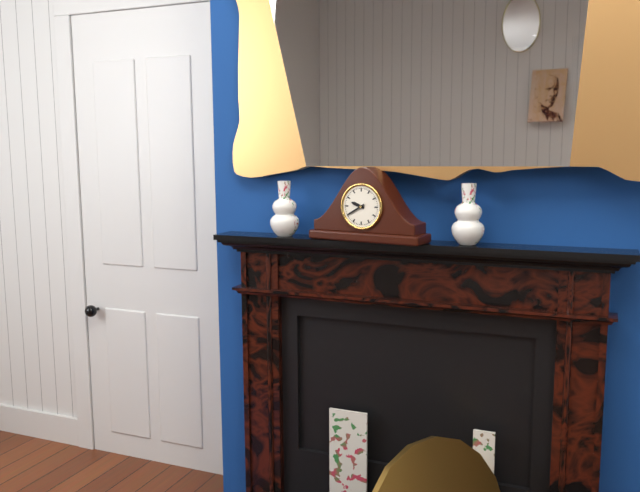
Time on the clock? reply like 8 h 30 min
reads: 9 h 40 min
